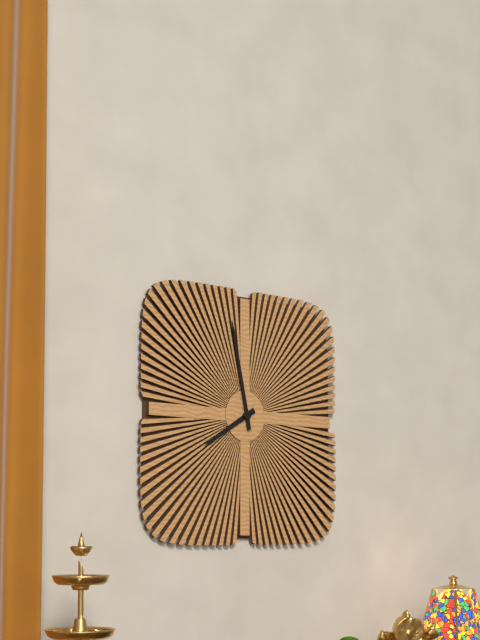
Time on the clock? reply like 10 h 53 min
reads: 7 h 58 min
